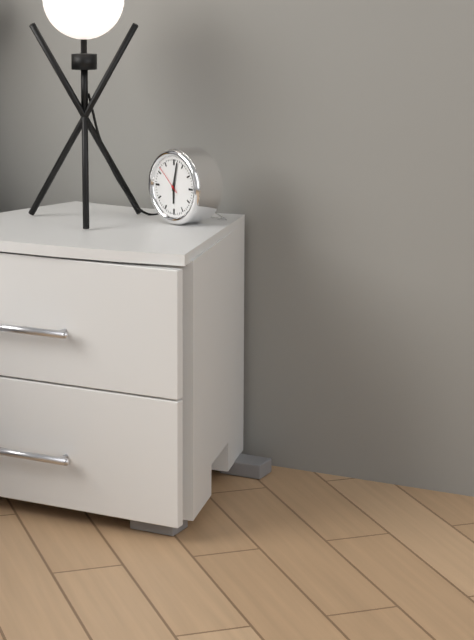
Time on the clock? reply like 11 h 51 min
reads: 6 h 02 min
